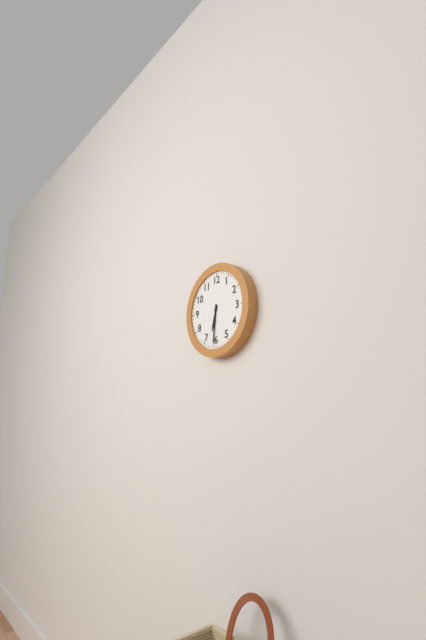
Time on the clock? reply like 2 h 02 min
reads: 6 h 31 min
